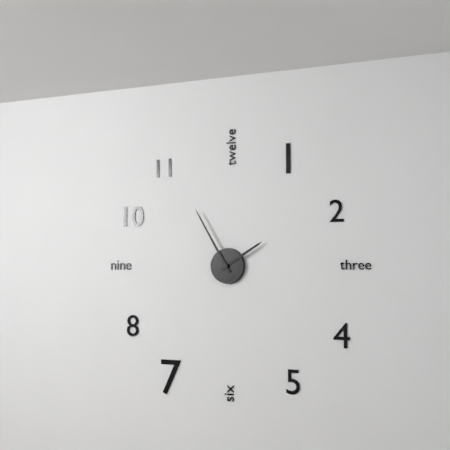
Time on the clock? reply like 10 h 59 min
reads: 1 h 55 min
